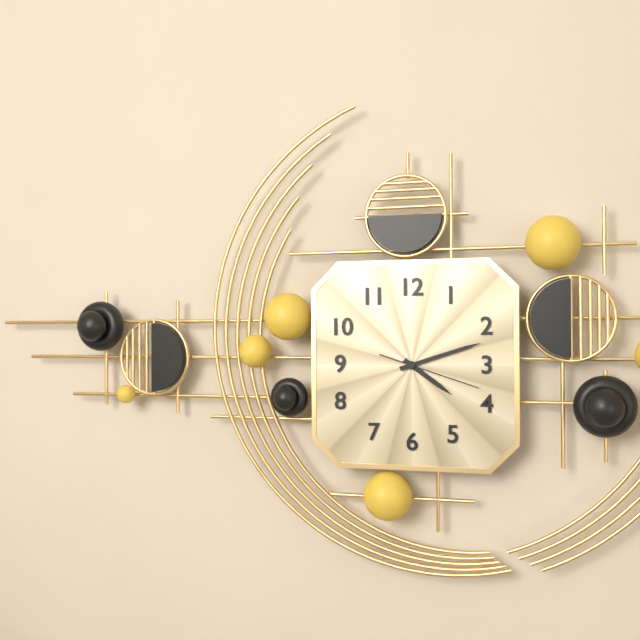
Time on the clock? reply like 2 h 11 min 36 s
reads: 4 h 12 min 18 s
